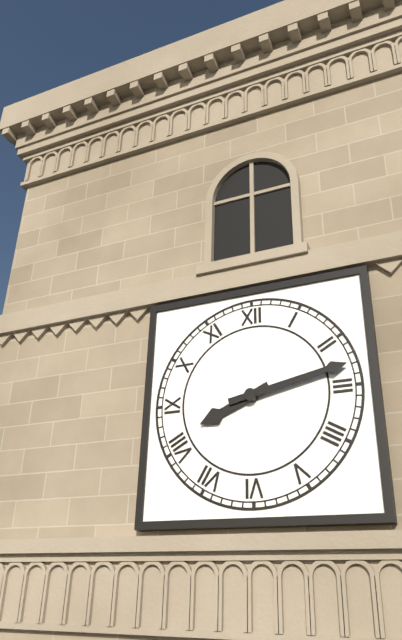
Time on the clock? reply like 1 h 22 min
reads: 8 h 13 min
